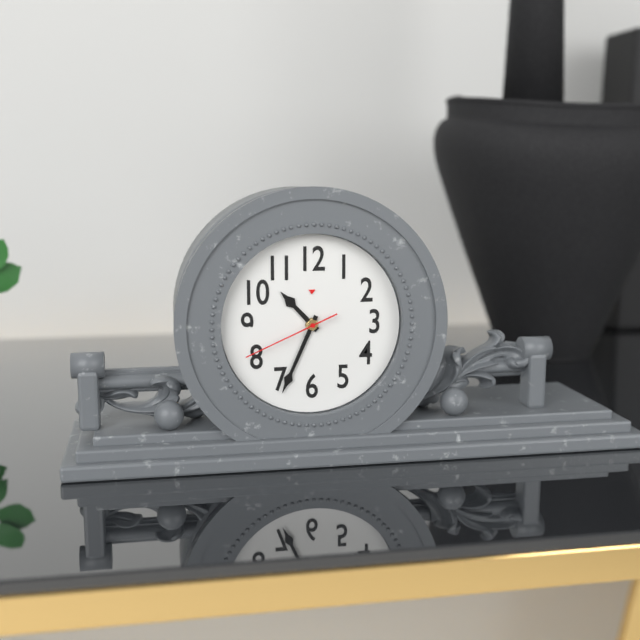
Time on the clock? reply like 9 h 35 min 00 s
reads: 10 h 34 min 41 s
